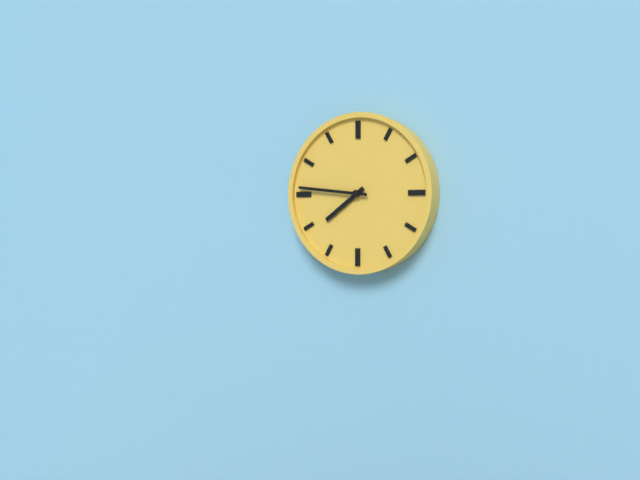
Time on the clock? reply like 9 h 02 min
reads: 7 h 46 min
